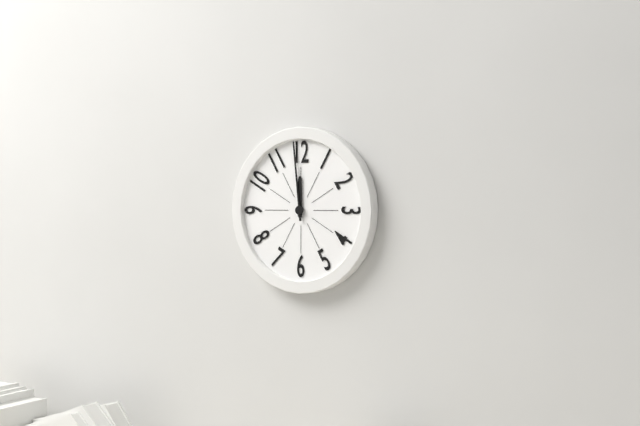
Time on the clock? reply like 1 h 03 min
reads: 11 h 59 min
